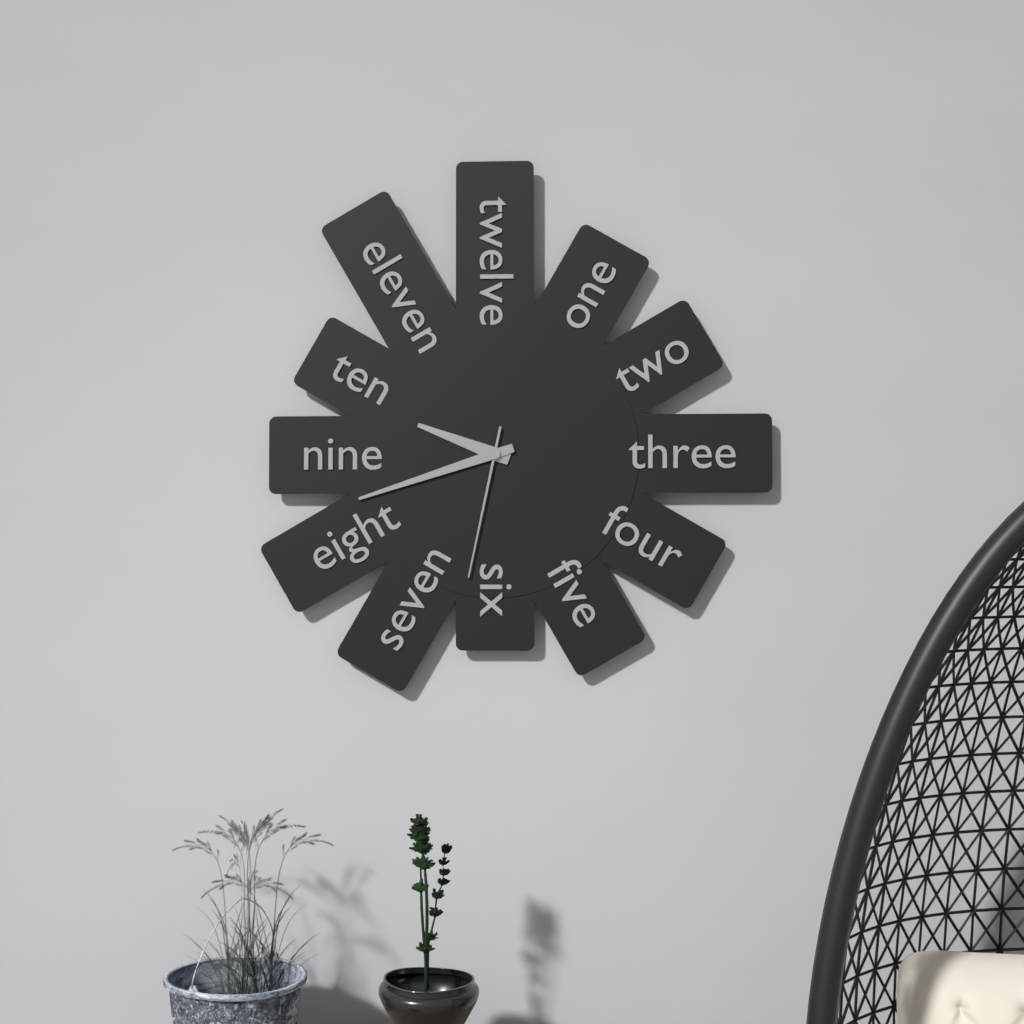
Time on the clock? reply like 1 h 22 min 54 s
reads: 9 h 42 min 32 s
